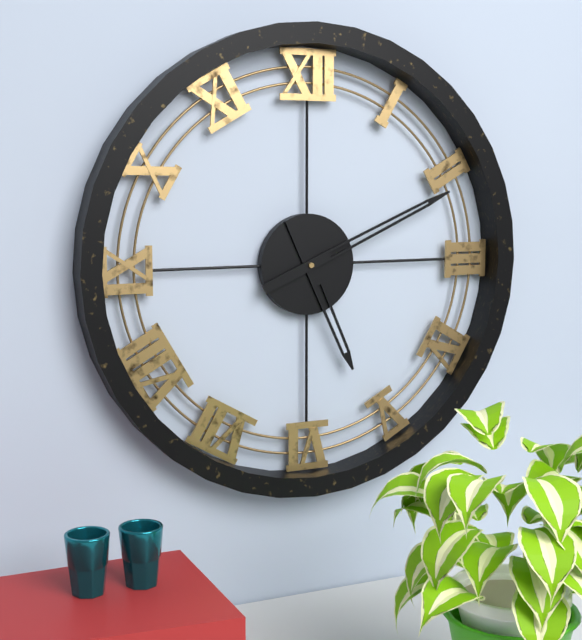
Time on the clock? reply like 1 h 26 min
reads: 5 h 11 min
